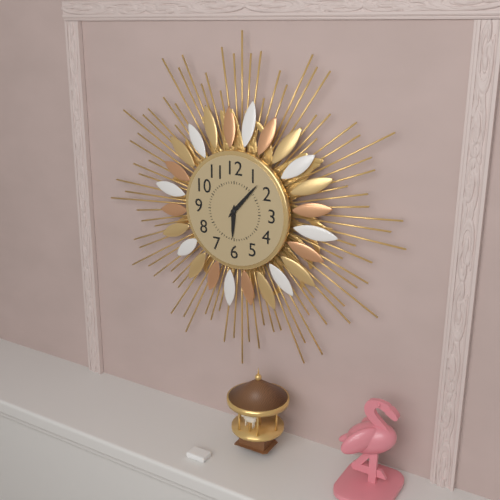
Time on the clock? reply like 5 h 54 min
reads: 6 h 07 min
